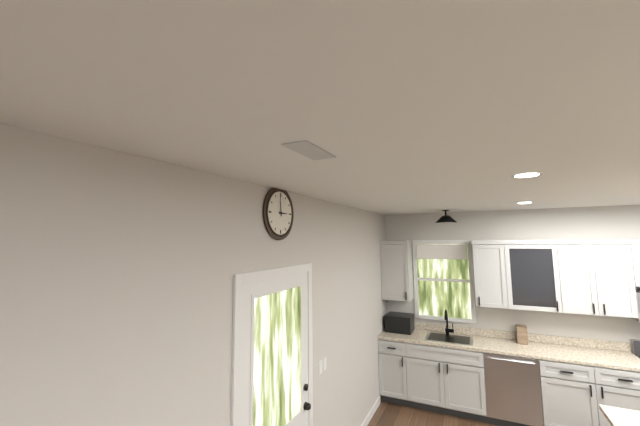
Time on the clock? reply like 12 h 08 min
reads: 2 h 59 min
